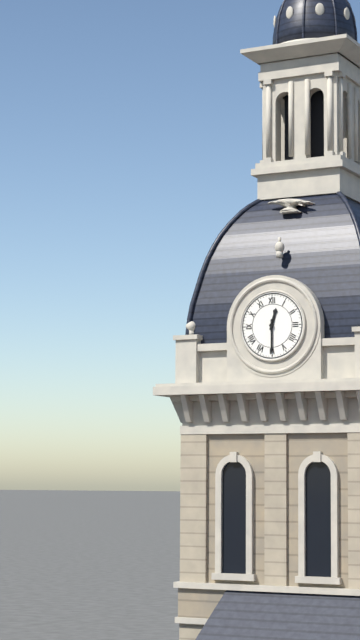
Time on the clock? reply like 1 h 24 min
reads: 12 h 30 min
